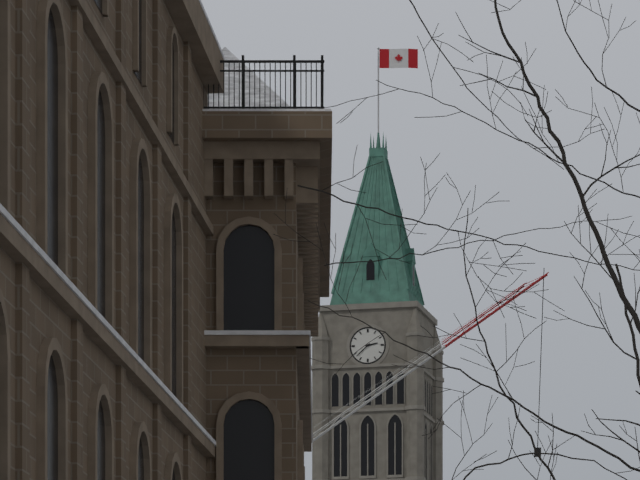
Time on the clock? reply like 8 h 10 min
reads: 2 h 38 min
